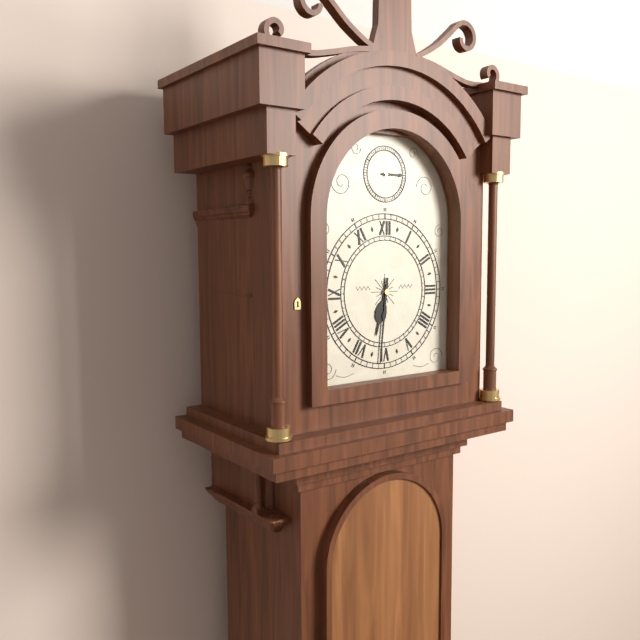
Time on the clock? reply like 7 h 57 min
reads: 6 h 31 min
